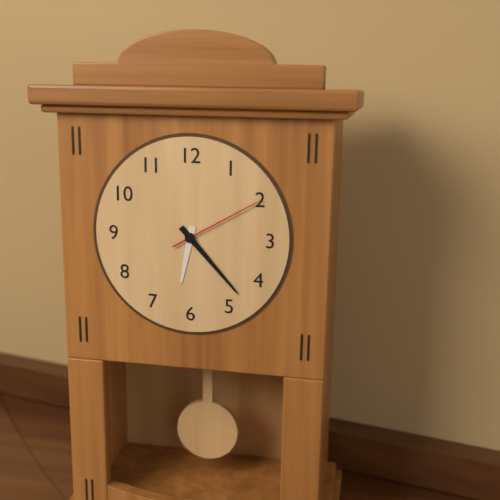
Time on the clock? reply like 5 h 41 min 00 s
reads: 6 h 23 min 10 s
